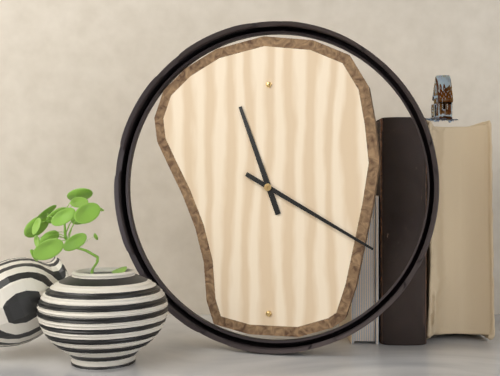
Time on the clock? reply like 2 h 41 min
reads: 11 h 20 min
